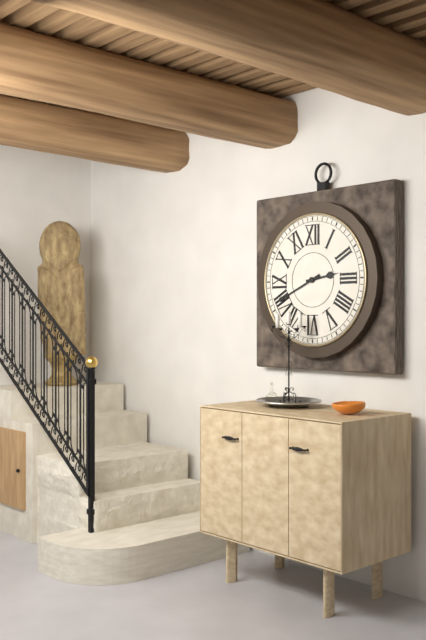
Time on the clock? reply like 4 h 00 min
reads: 2 h 41 min
